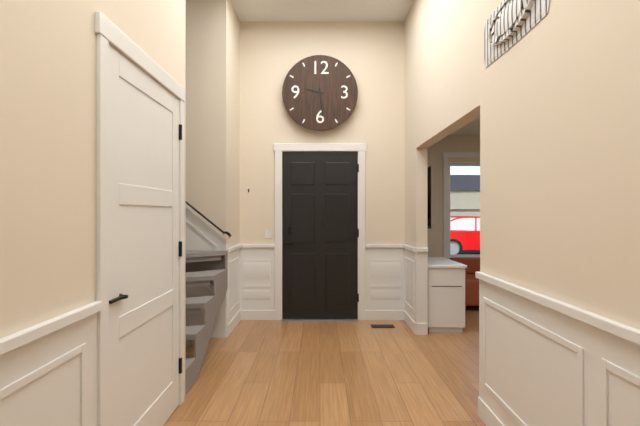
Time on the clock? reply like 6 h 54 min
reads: 9 h 29 min
